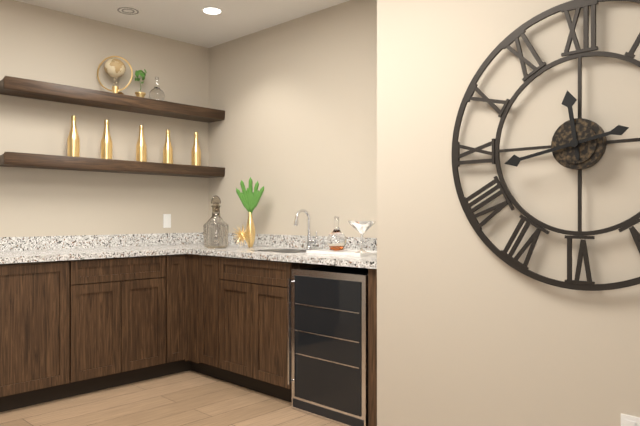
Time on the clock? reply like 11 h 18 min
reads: 11 h 43 min
